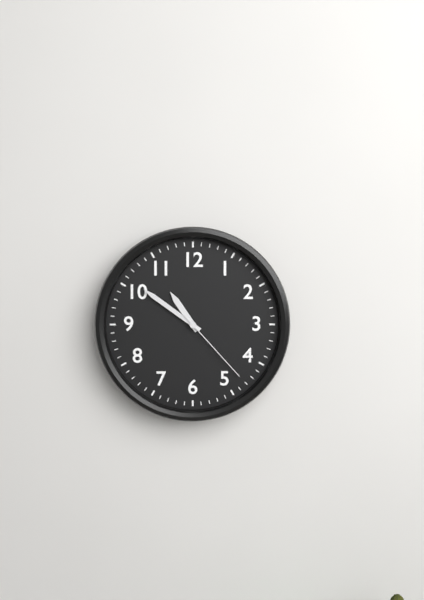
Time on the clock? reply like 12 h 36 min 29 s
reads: 10 h 51 min 23 s
